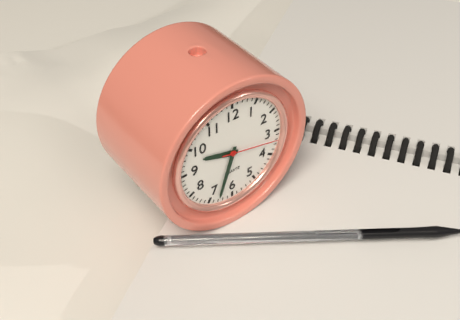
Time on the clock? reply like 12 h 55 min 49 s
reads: 9 h 33 min 17 s
